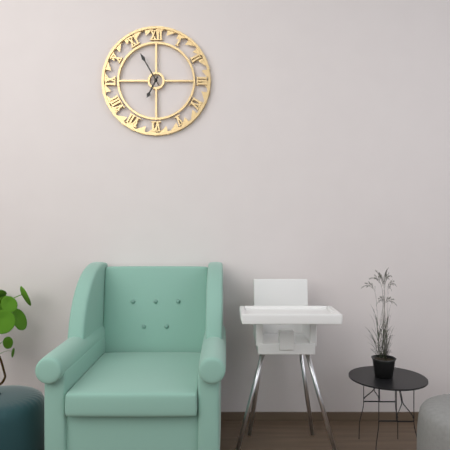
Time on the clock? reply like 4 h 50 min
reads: 6 h 55 min
